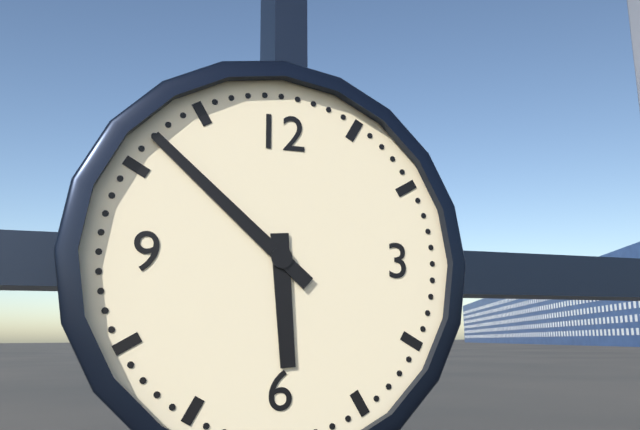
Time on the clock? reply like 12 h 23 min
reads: 5 h 52 min
